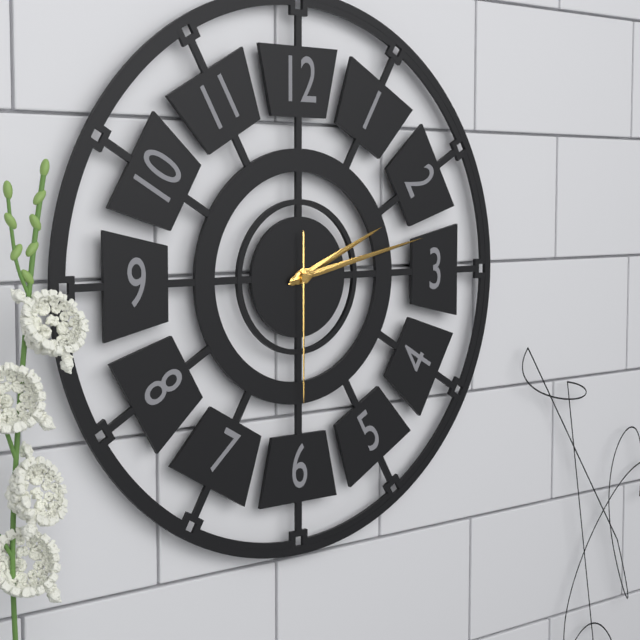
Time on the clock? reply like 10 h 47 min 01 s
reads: 2 h 13 min 30 s
